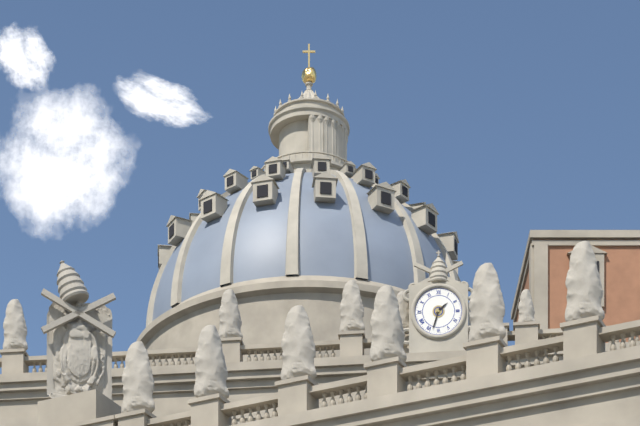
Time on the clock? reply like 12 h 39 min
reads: 1 h 33 min
